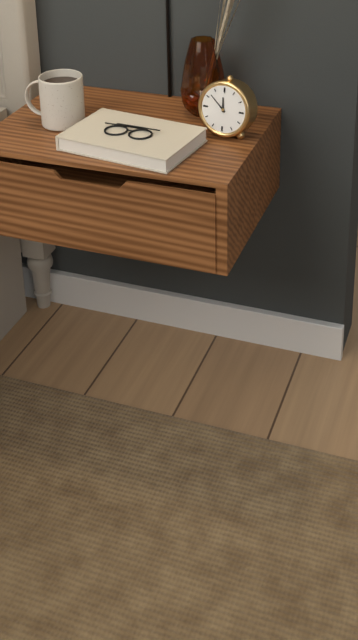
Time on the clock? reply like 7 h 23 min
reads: 11 h 52 min
